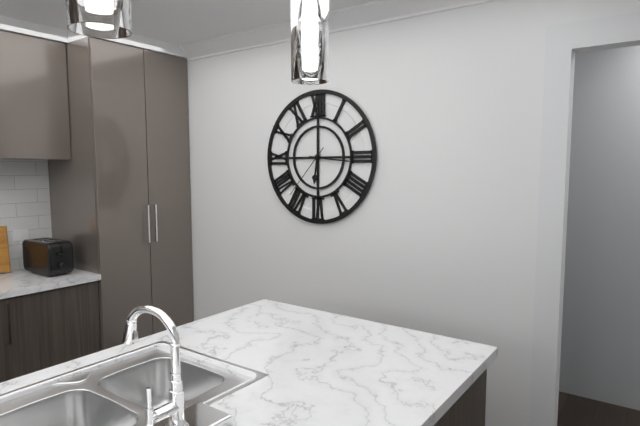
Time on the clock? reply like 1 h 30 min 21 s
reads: 6 h 16 min 37 s
